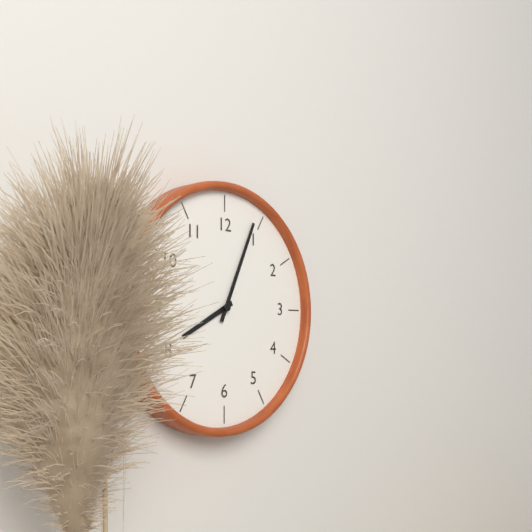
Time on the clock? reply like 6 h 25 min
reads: 8 h 04 min
